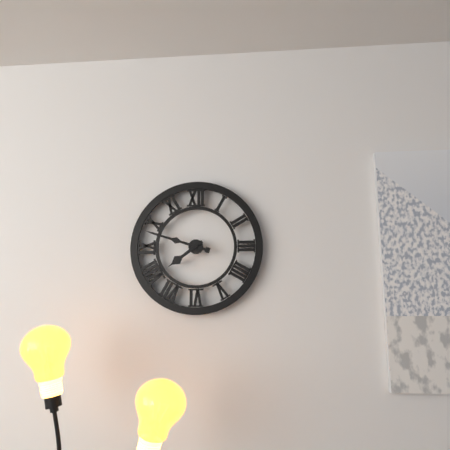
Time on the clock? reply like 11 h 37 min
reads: 7 h 48 min
